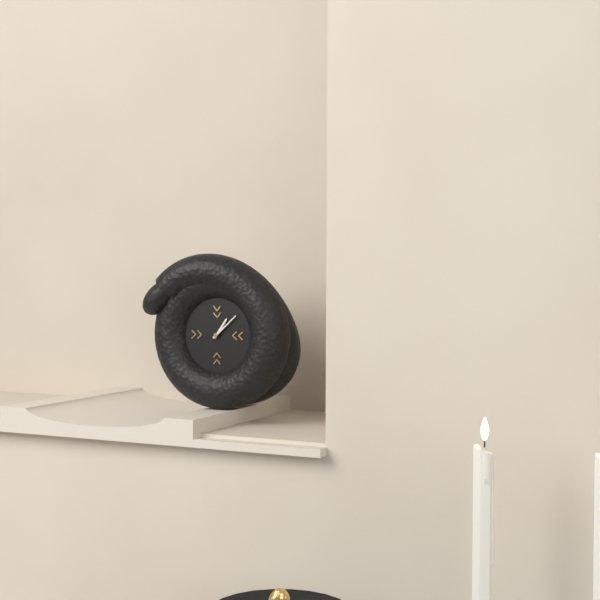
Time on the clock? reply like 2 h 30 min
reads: 1 h 08 min
